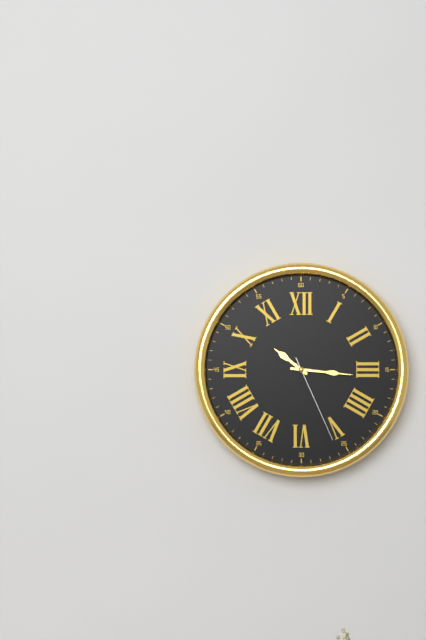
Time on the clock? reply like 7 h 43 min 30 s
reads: 10 h 16 min 26 s
